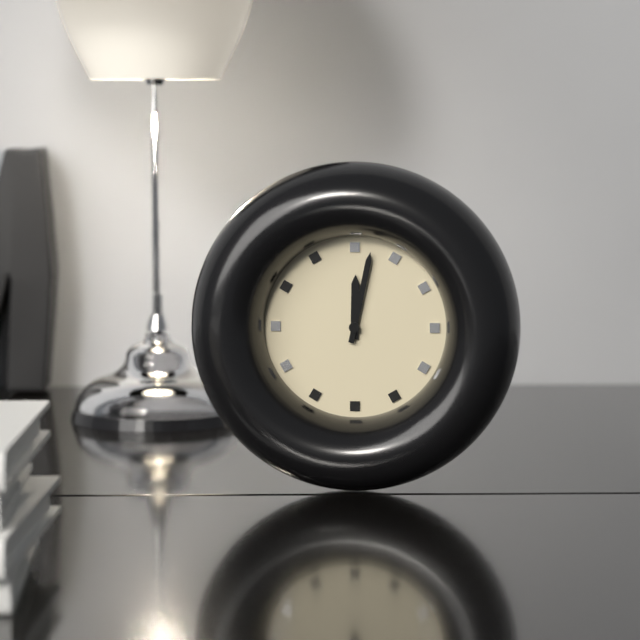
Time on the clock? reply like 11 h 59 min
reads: 12 h 02 min
